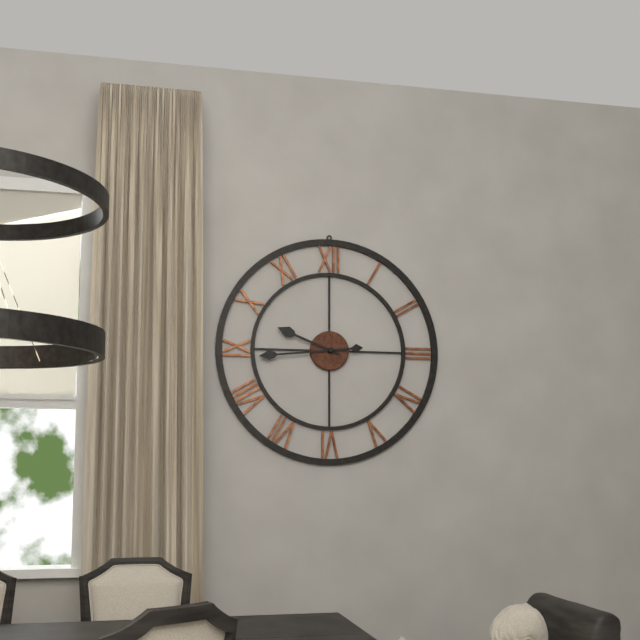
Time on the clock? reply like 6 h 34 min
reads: 9 h 44 min
